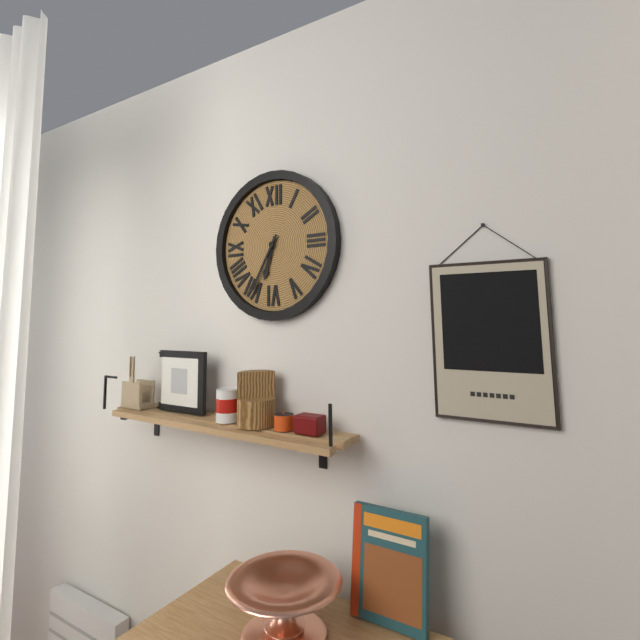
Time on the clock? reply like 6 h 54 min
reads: 6 h 35 min
